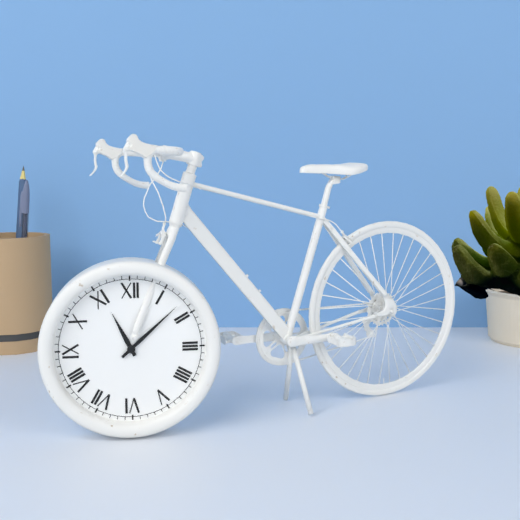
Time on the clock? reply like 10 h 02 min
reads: 11 h 08 min
